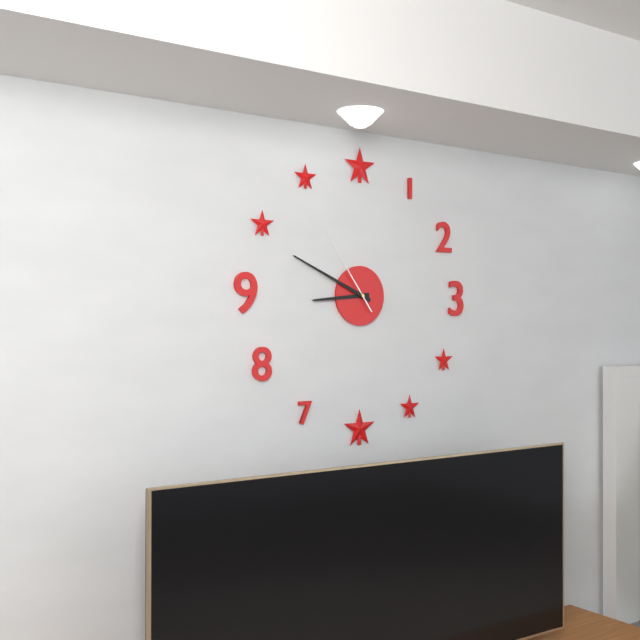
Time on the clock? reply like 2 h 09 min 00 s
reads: 8 h 49 min 54 s
